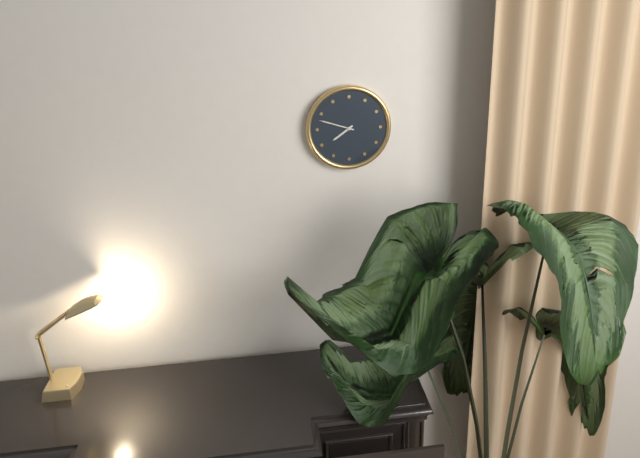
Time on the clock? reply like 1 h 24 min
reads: 7 h 48 min
